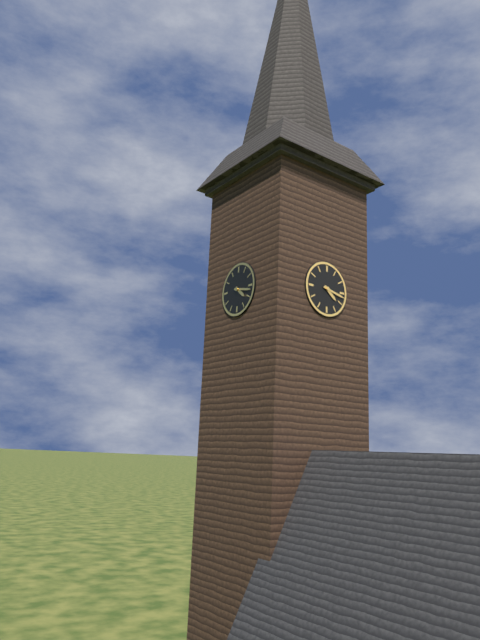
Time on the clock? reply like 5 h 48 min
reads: 4 h 17 min
